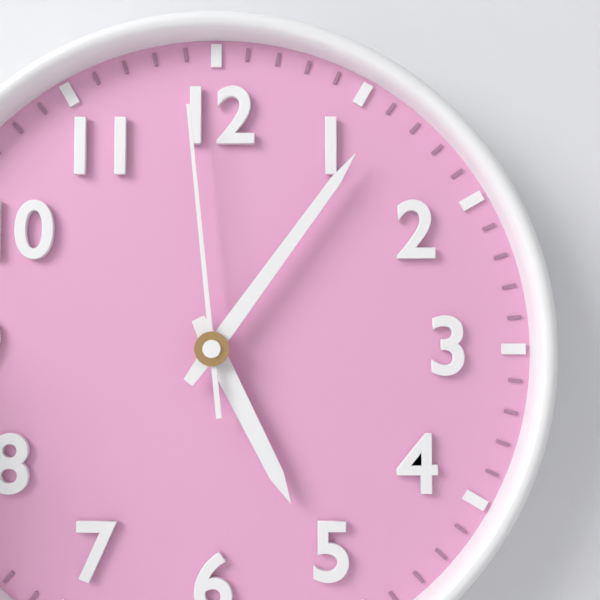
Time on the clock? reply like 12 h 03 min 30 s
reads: 5 h 06 min 59 s
